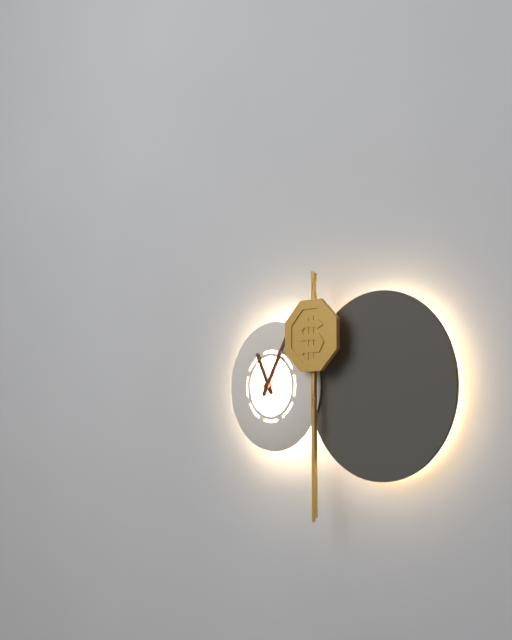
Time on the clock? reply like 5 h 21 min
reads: 11 h 05 min
